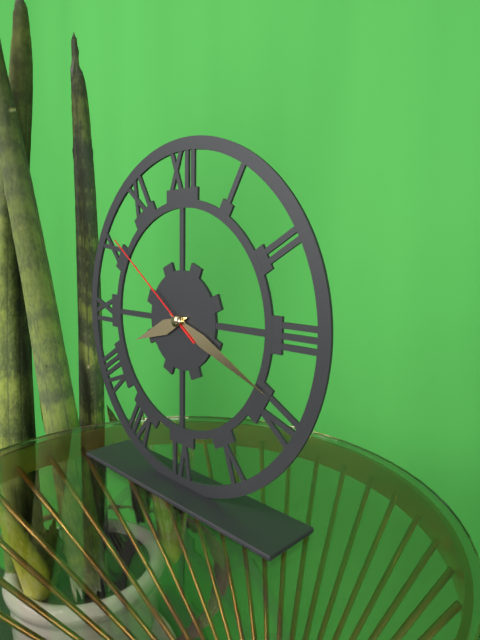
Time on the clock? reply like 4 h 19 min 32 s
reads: 8 h 19 min 51 s
